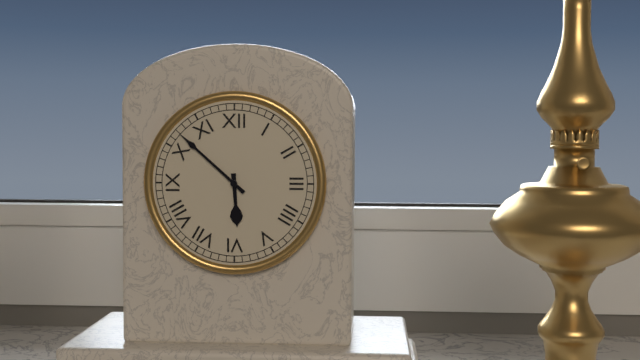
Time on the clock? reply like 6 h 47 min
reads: 5 h 52 min
